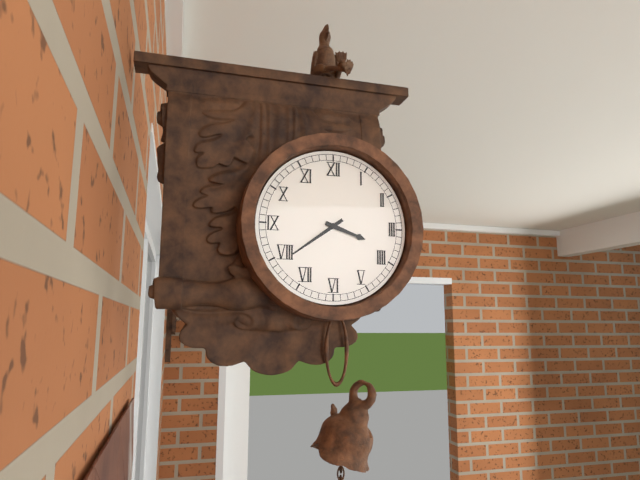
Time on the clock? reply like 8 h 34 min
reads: 3 h 39 min
